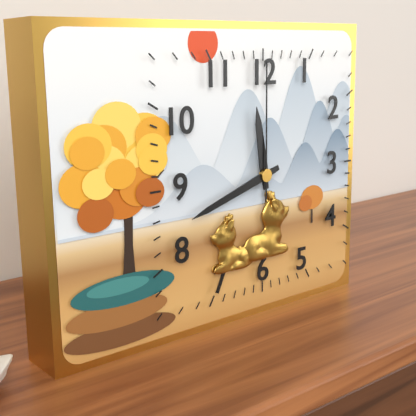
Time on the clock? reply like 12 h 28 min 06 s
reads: 11 h 42 min 00 s
